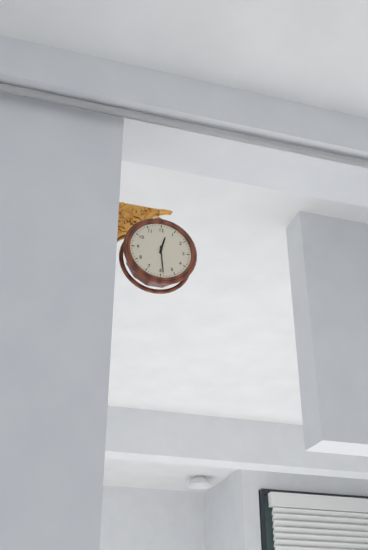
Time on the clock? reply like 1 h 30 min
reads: 12 h 29 min
